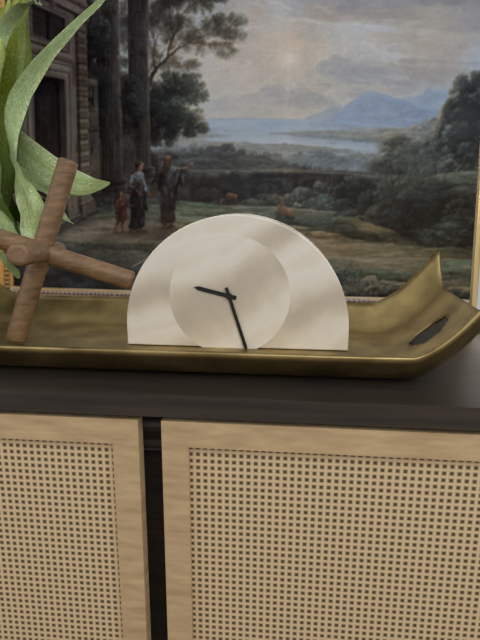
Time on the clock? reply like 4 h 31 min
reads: 9 h 27 min
